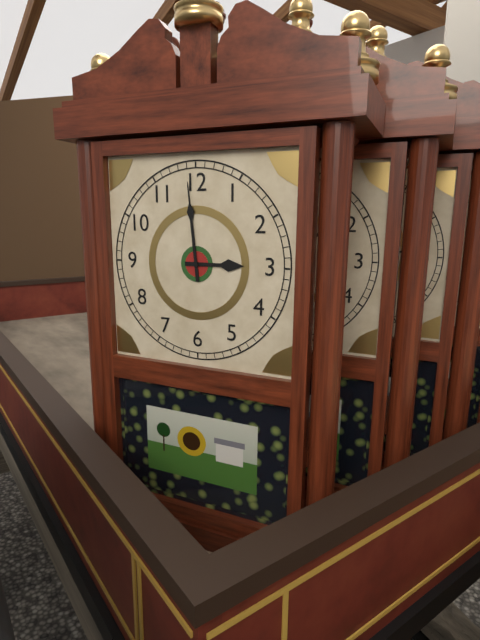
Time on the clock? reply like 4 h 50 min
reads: 2 h 59 min
